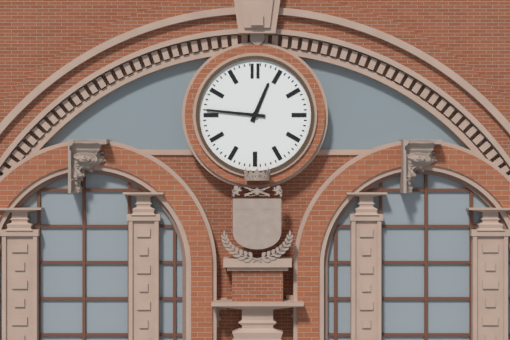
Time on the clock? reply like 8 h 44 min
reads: 12 h 46 min
